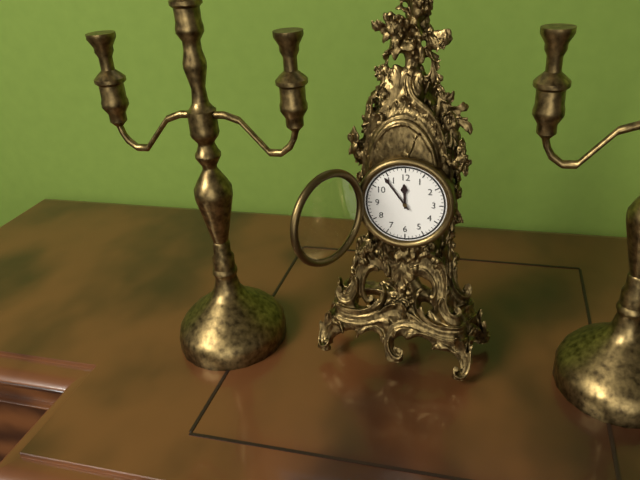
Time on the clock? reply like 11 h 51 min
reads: 11 h 54 min
